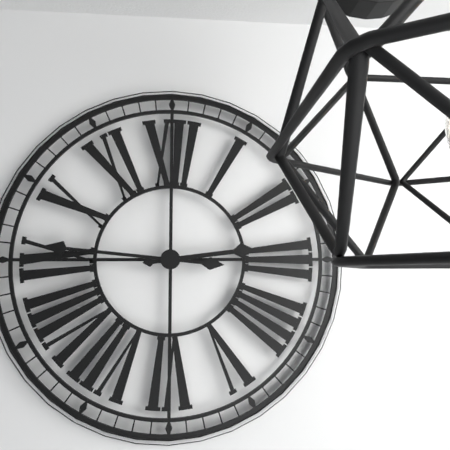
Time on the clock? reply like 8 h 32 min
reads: 2 h 46 min
